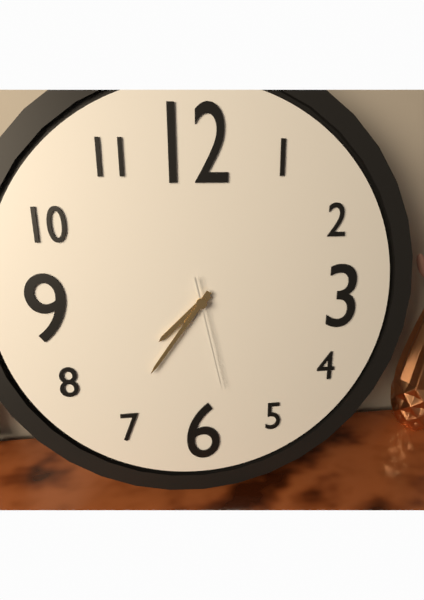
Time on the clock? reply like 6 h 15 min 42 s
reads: 7 h 36 min 28 s
